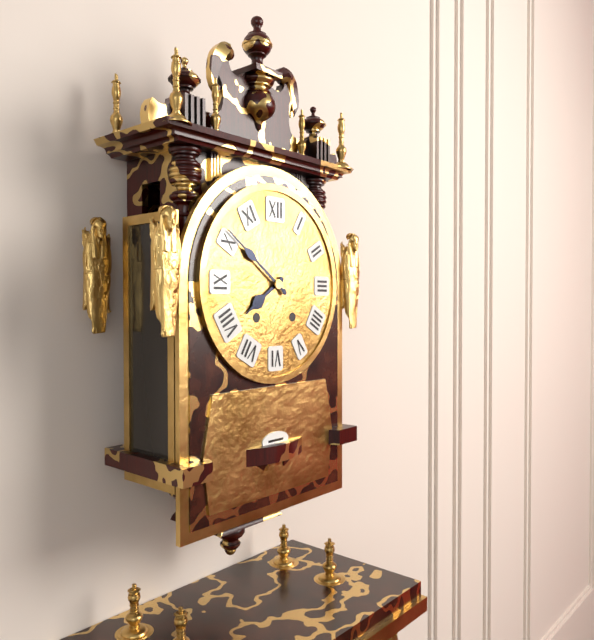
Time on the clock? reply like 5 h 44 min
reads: 7 h 51 min
